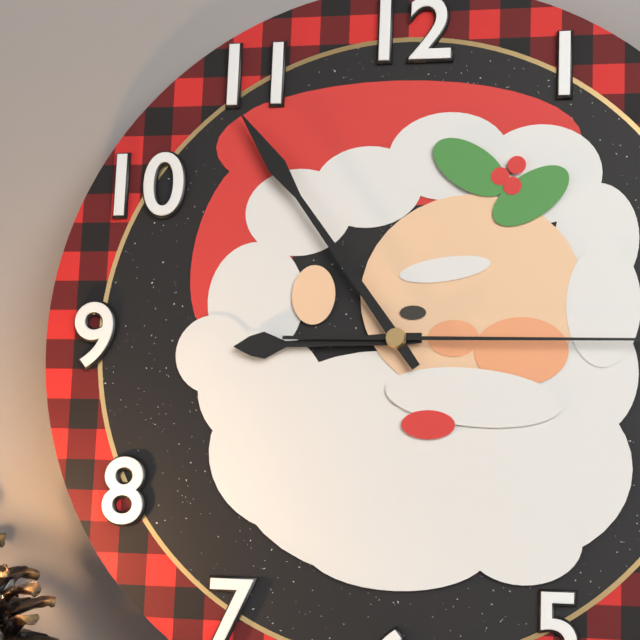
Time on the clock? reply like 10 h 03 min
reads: 8 h 54 min
